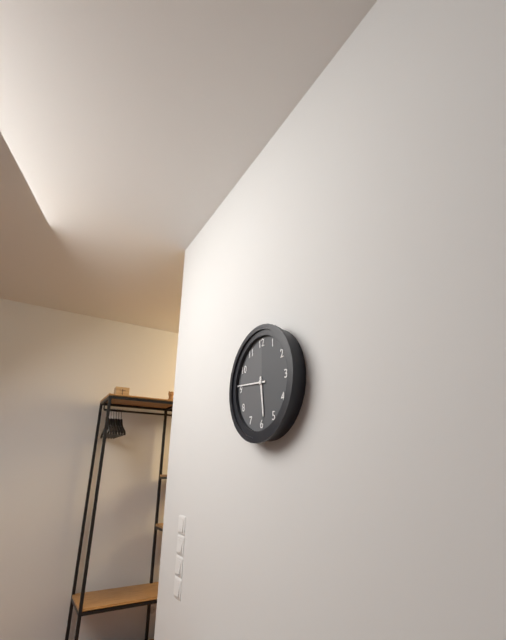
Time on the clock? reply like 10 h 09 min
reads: 5 h 46 min
